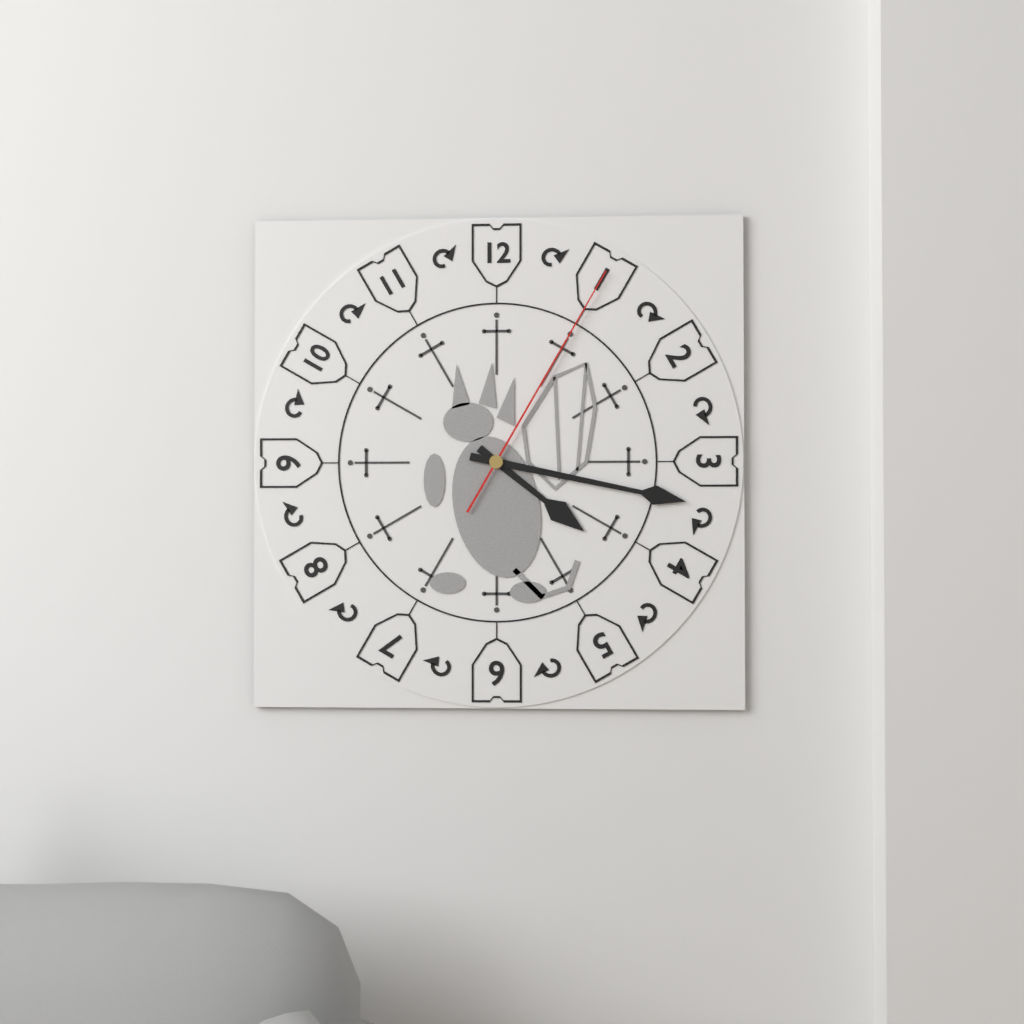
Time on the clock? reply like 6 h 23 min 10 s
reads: 4 h 17 min 05 s
